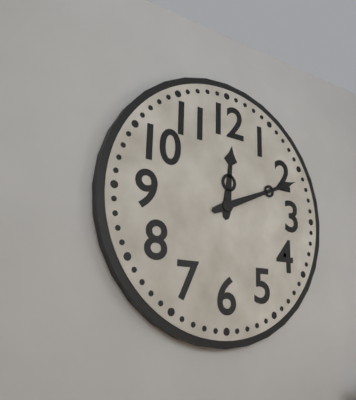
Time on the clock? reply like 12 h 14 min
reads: 12 h 11 min
